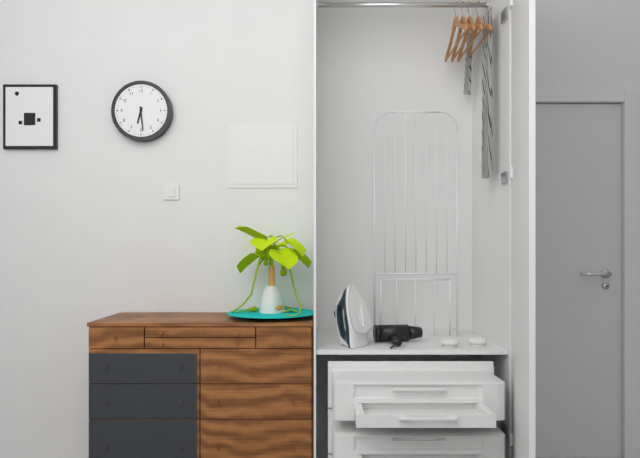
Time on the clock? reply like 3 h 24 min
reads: 6 h 29 min
